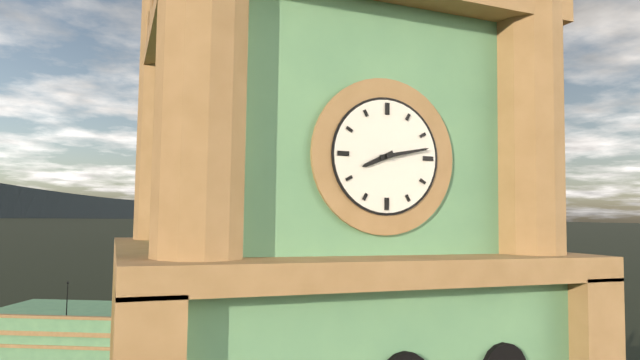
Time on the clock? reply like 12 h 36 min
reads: 8 h 13 min
